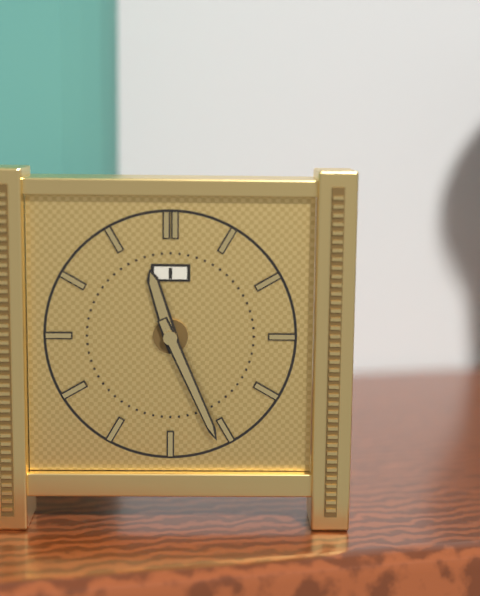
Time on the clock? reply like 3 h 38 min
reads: 11 h 26 min
